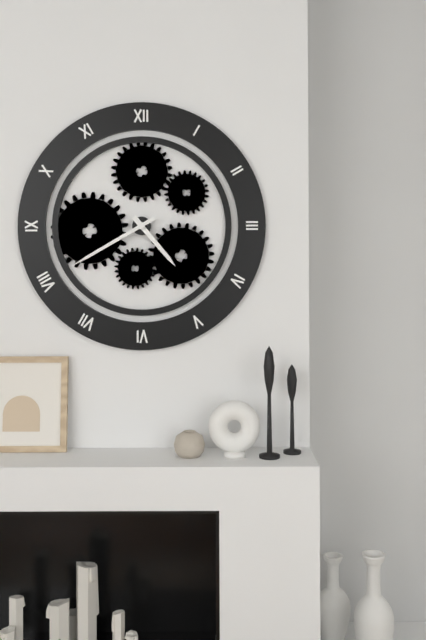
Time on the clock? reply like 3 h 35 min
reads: 4 h 40 min
